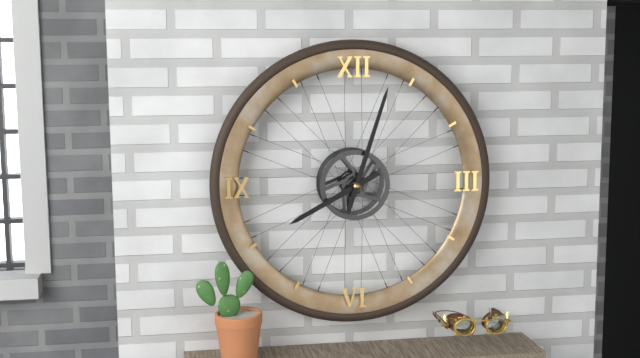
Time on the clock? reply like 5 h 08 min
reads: 8 h 03 min
